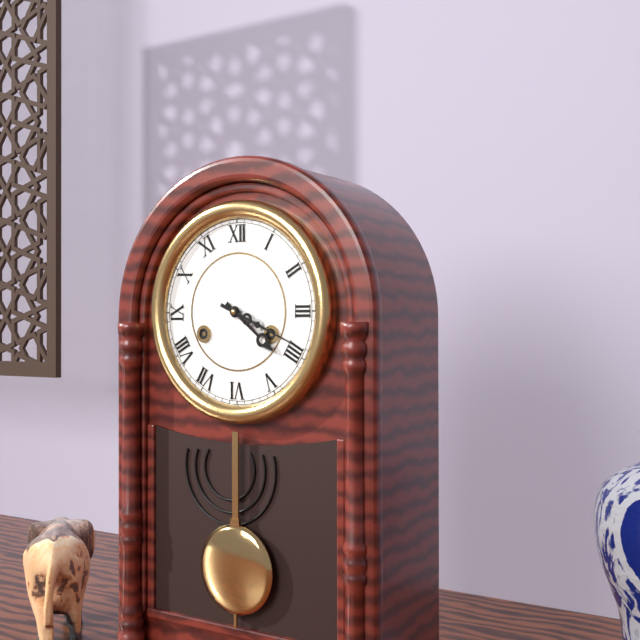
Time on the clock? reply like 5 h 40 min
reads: 4 h 19 min
